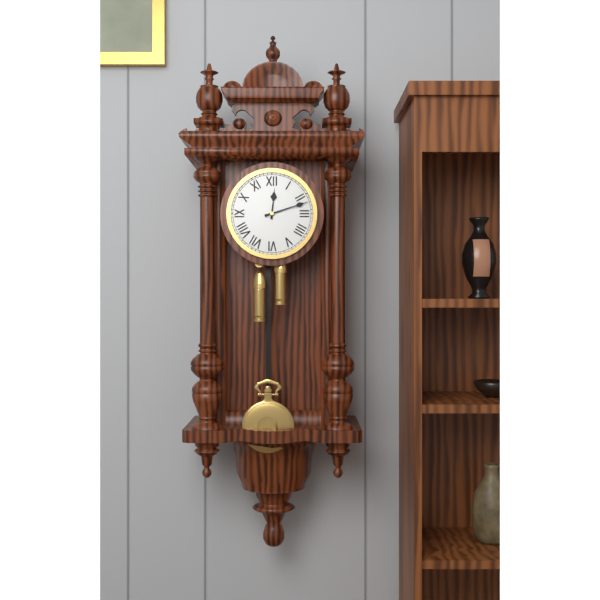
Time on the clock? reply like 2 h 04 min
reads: 12 h 12 min
